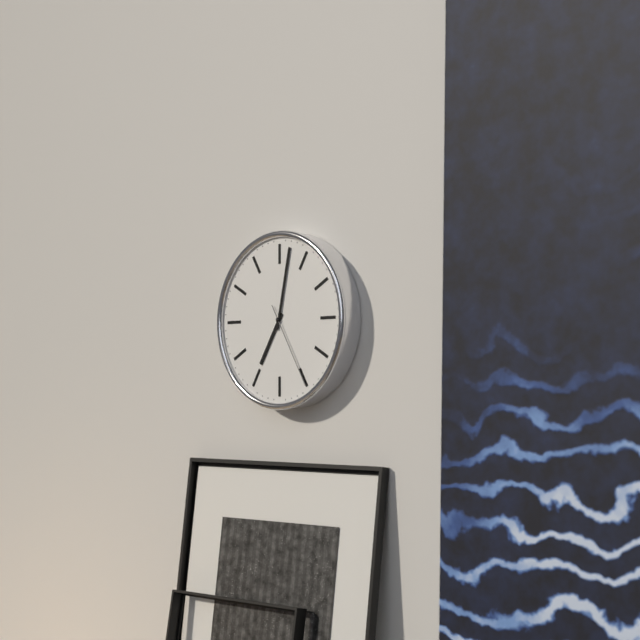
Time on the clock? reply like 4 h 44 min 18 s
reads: 7 h 02 min 25 s
